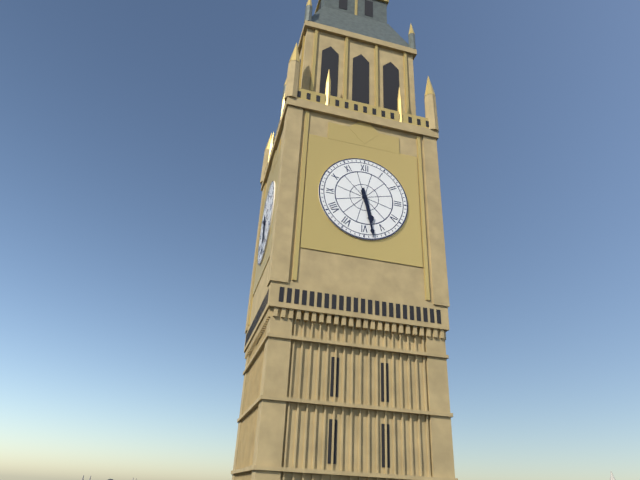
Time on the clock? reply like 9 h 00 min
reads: 5 h 28 min
